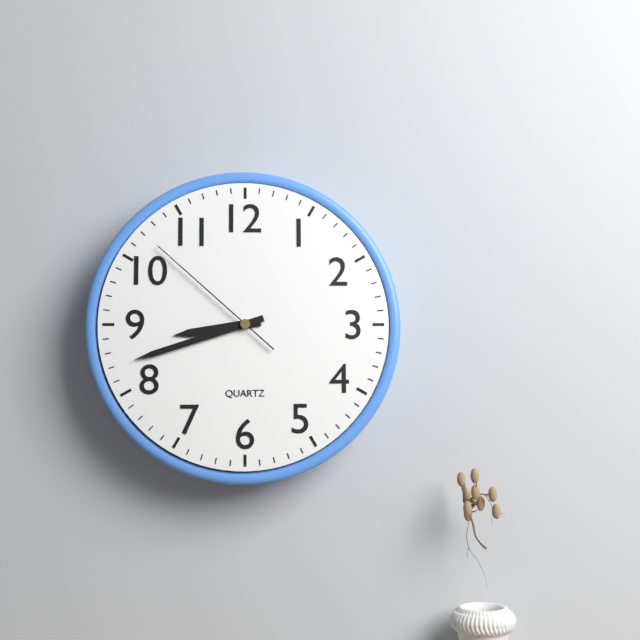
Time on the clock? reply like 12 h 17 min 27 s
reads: 8 h 42 min 52 s
